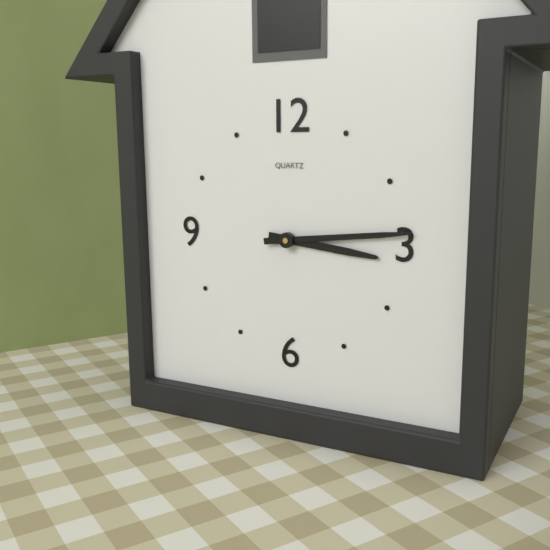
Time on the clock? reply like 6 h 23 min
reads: 3 h 14 min
